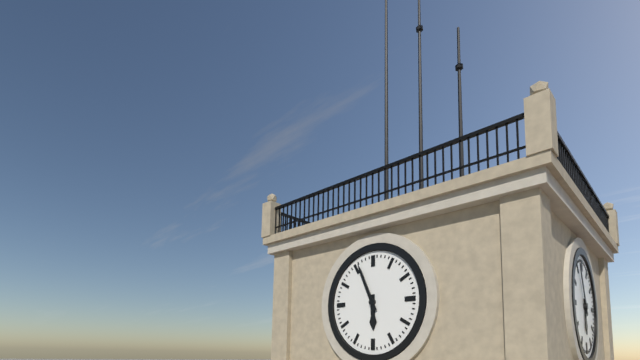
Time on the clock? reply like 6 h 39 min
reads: 5 h 56 min
